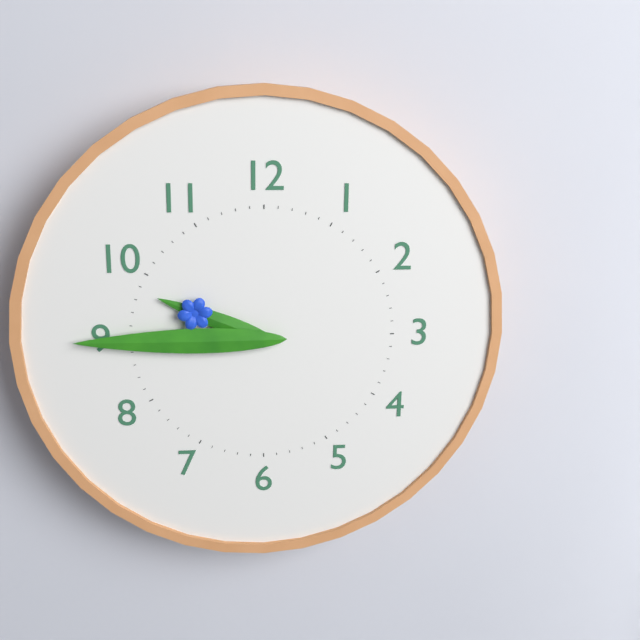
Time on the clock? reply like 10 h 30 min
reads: 9 h 45 min
